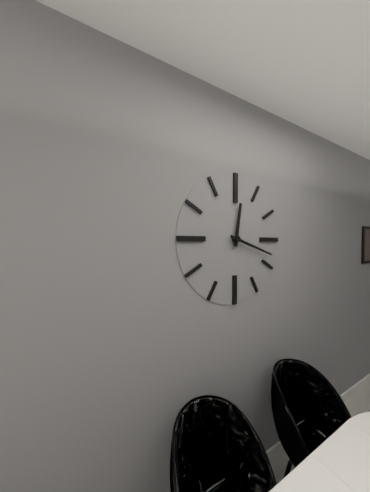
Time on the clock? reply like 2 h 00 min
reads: 12 h 18 min
